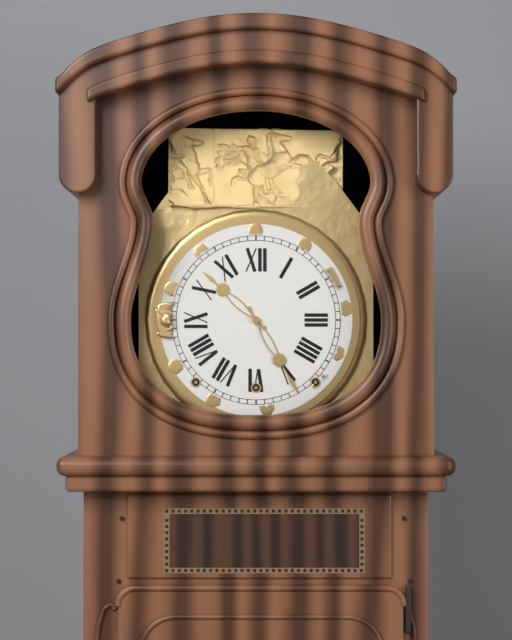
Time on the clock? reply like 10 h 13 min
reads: 10 h 25 min
